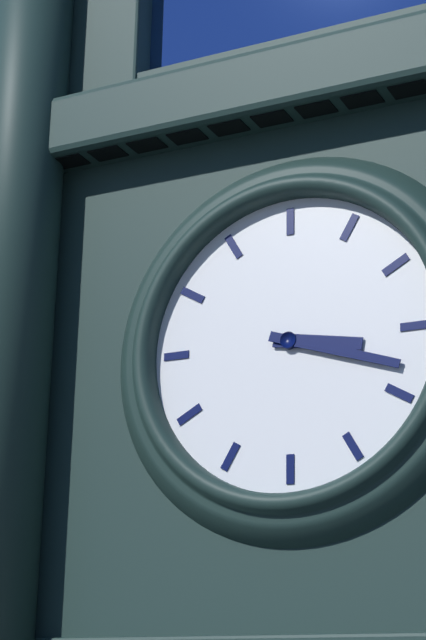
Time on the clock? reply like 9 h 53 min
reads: 3 h 18 min
